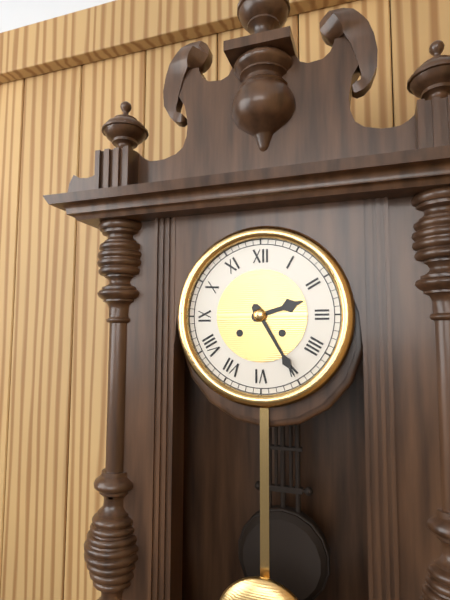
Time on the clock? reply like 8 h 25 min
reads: 2 h 25 min
